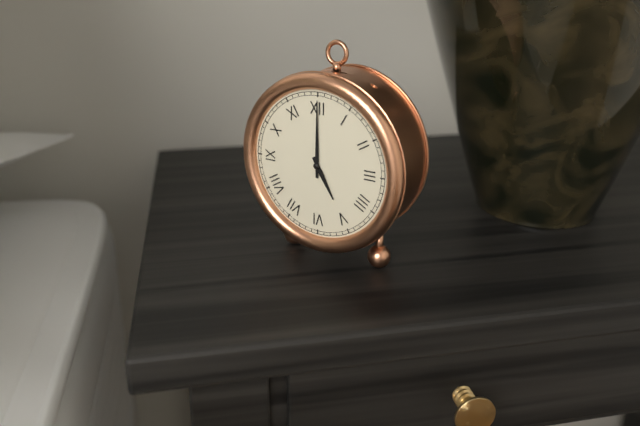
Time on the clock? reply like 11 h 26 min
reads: 5 h 00 min
